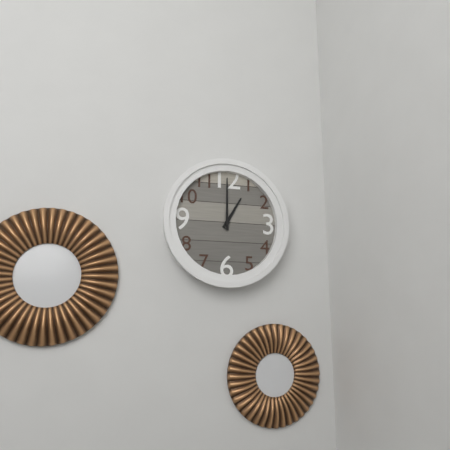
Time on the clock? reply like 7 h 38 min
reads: 1 h 00 min
